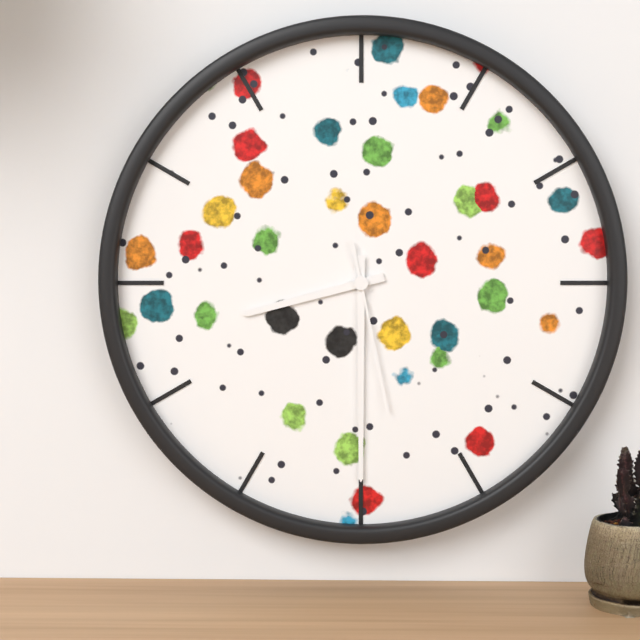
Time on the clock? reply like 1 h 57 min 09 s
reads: 8 h 30 min 28 s
